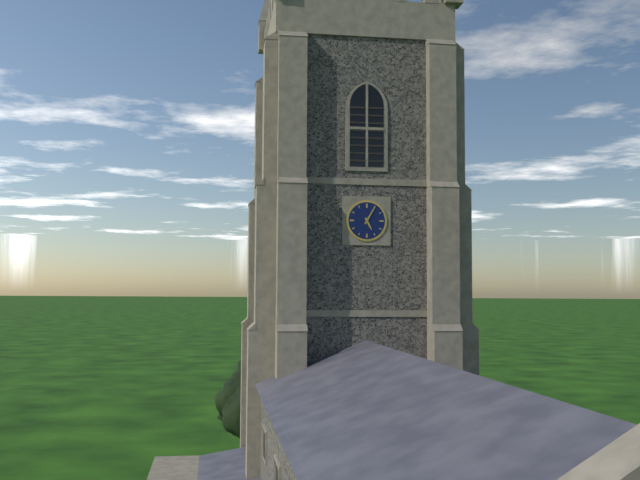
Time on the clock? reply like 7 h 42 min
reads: 5 h 05 min
